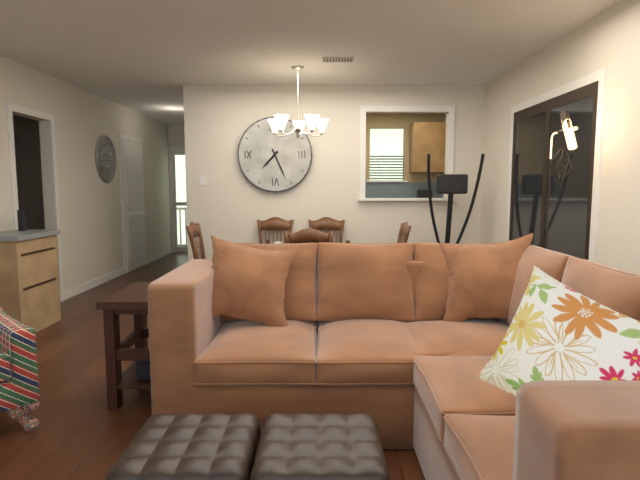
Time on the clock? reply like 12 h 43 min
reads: 7 h 26 min
